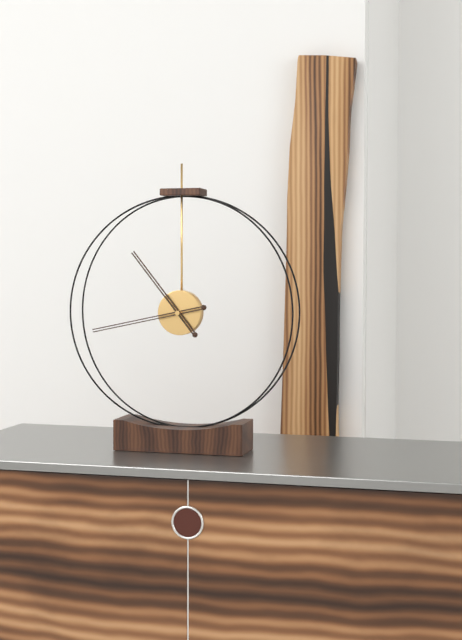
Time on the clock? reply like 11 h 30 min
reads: 10 h 43 min
